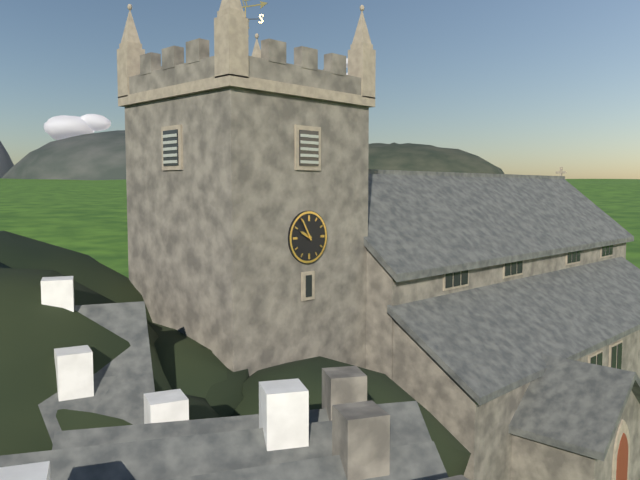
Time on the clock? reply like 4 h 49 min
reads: 9 h 55 min
